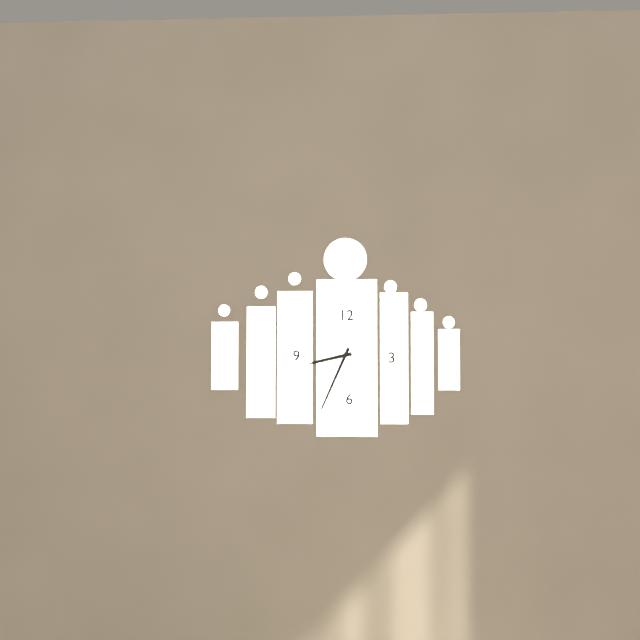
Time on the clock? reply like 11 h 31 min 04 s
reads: 8 h 34 min 24 s
